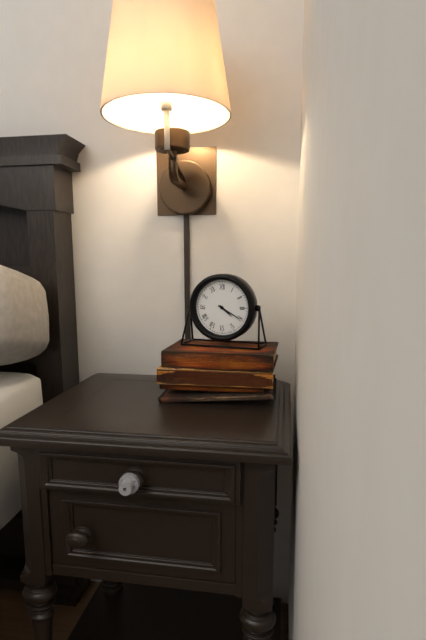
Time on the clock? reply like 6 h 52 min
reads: 4 h 20 min
